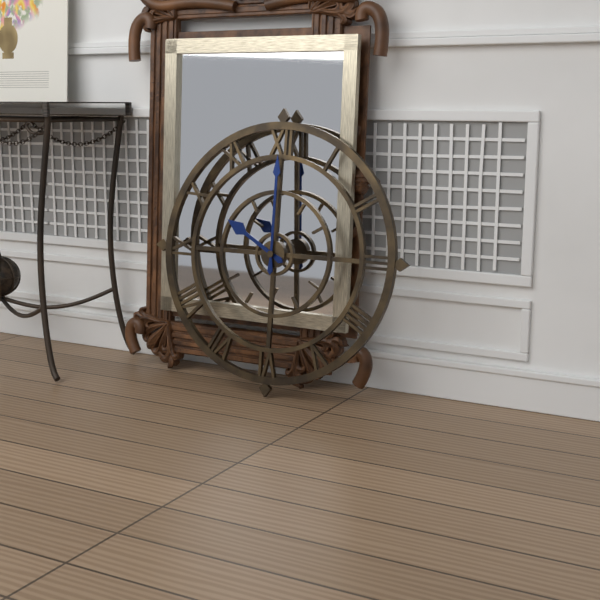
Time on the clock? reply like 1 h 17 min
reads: 10 h 00 min
